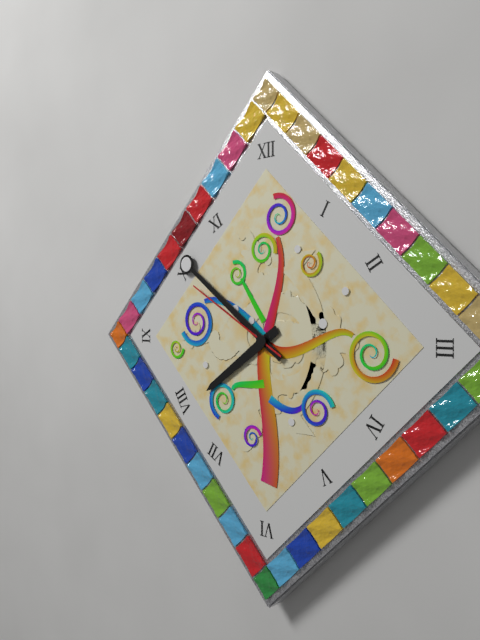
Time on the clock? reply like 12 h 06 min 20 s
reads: 7 h 51 min 50 s
